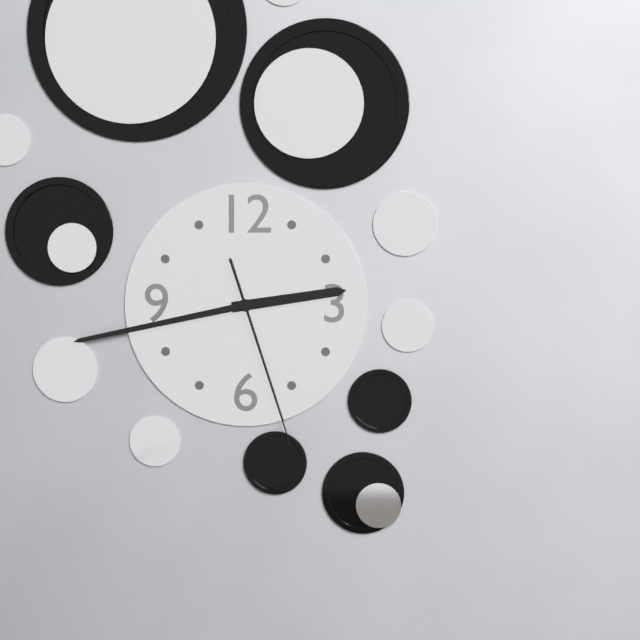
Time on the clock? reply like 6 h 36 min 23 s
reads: 2 h 43 min 27 s
